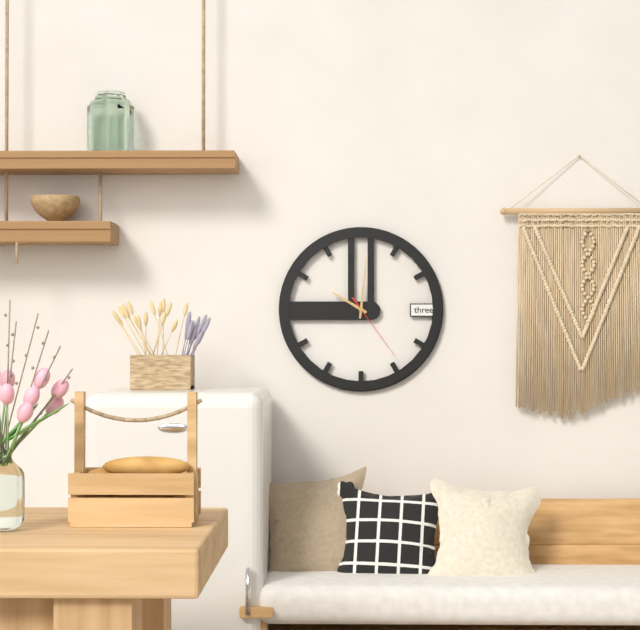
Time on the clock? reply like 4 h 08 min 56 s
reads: 10 h 01 min 24 s
